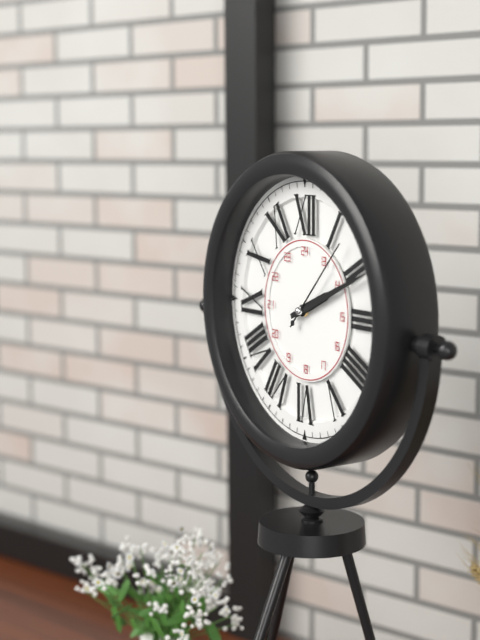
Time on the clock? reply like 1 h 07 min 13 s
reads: 2 h 11 min 07 s
